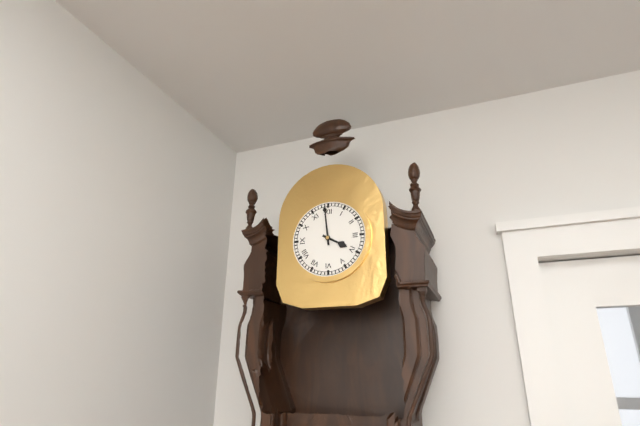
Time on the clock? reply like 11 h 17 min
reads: 3 h 59 min
